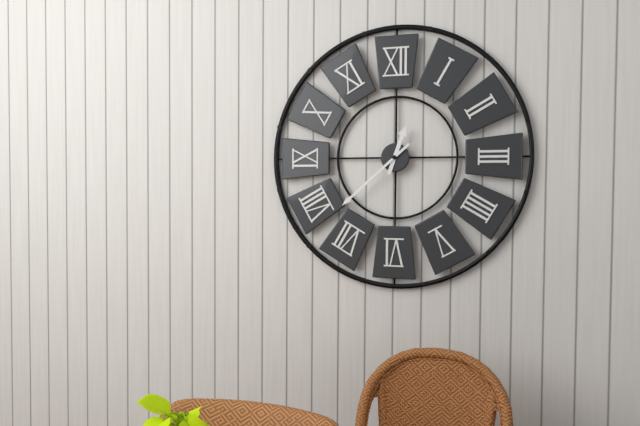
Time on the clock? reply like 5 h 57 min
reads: 12 h 38 min
